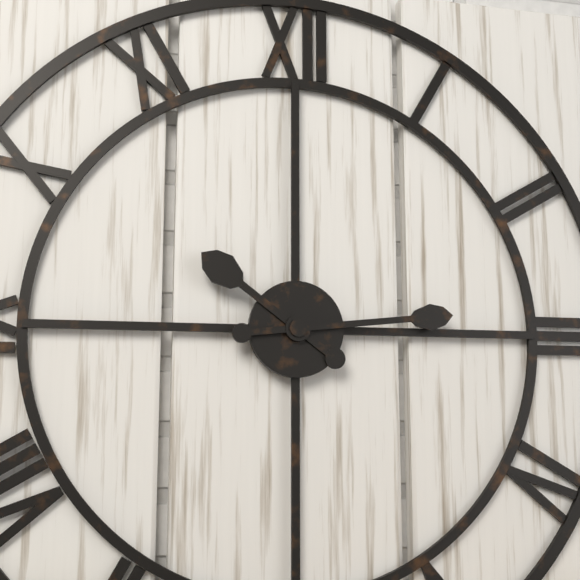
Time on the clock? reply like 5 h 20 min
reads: 10 h 14 min
